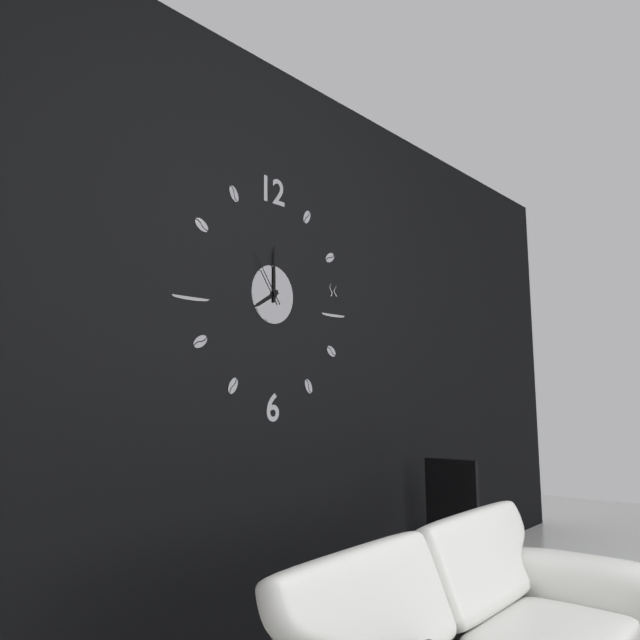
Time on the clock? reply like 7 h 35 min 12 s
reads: 8 h 00 min 54 s
